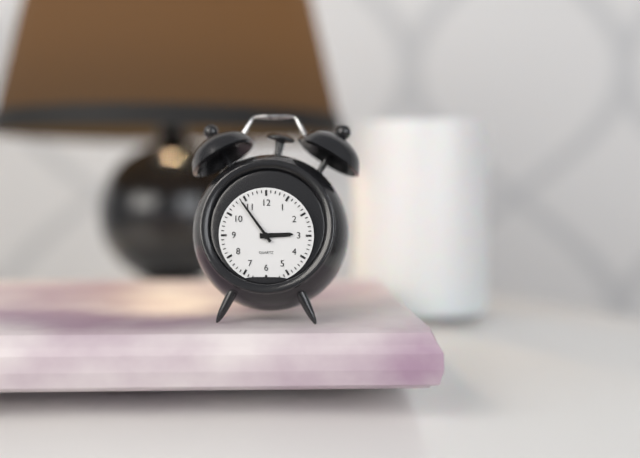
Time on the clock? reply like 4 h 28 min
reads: 2 h 54 min
